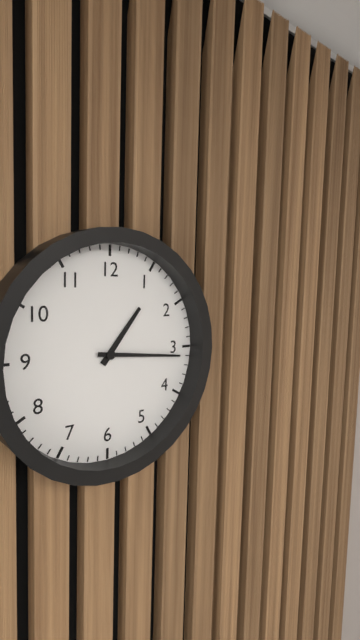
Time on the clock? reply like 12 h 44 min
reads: 1 h 16 min
